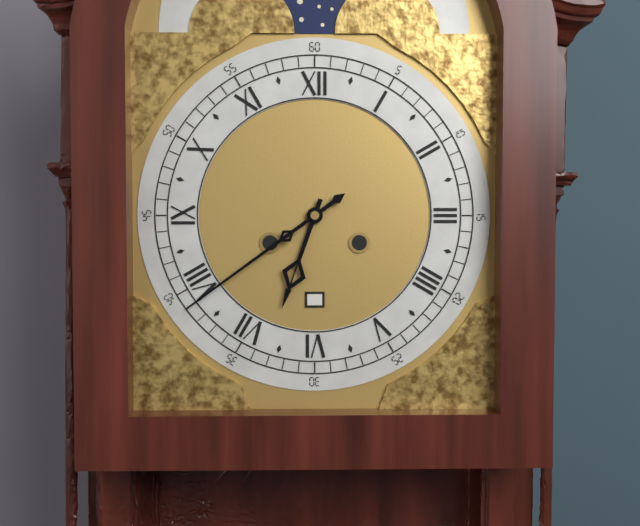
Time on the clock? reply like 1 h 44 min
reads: 6 h 39 min
